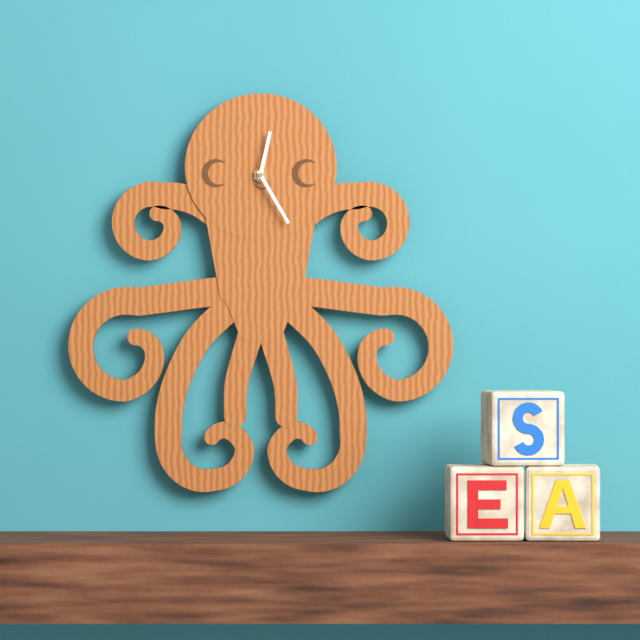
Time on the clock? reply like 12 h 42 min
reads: 12 h 25 min
